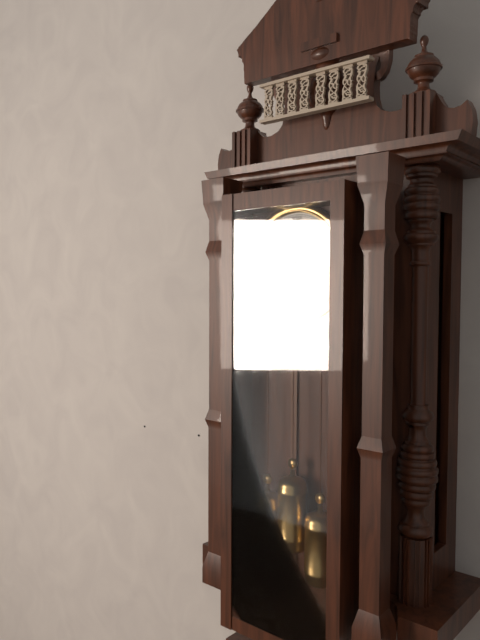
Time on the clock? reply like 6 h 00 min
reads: 9 h 00 min
